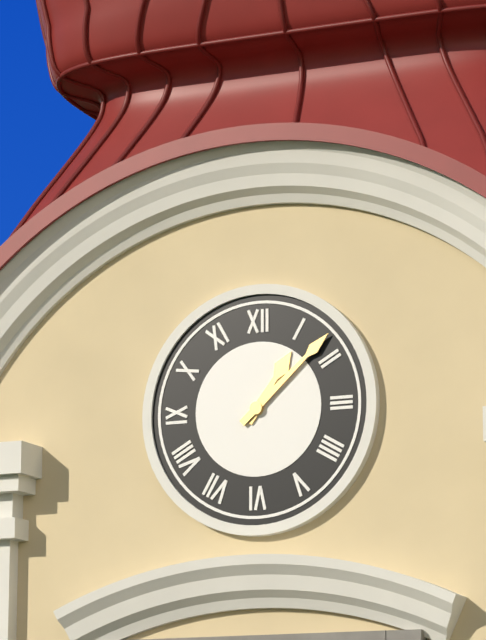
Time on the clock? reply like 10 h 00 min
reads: 1 h 08 min
